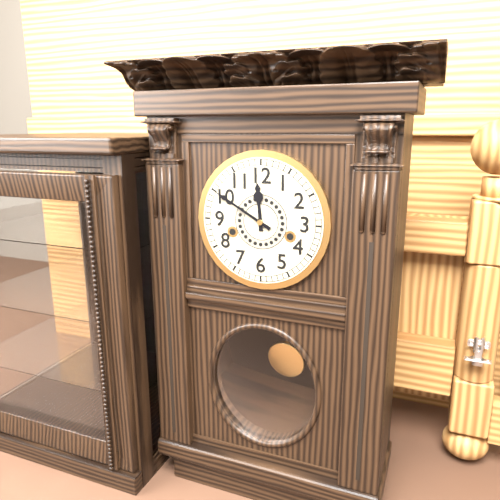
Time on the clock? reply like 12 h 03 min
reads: 11 h 50 min
